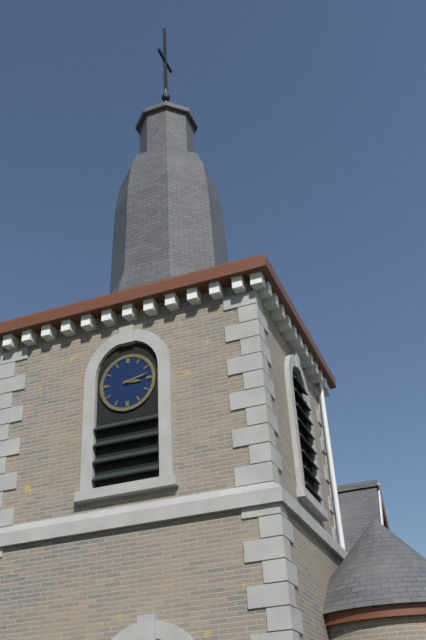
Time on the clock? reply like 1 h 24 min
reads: 3 h 13 min
